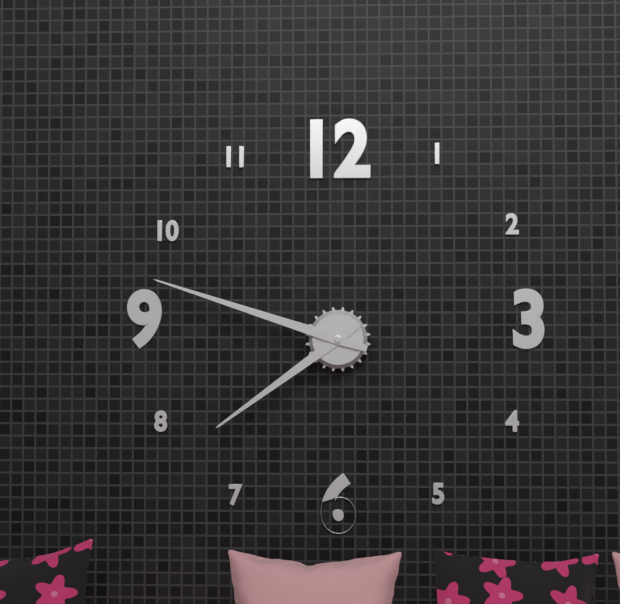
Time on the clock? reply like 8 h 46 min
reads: 7 h 48 min
